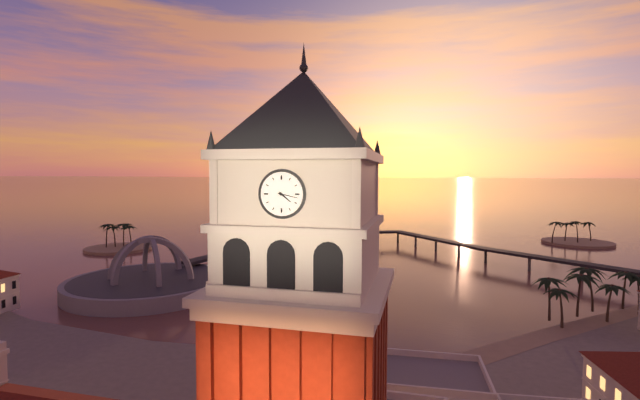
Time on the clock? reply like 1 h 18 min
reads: 4 h 17 min
